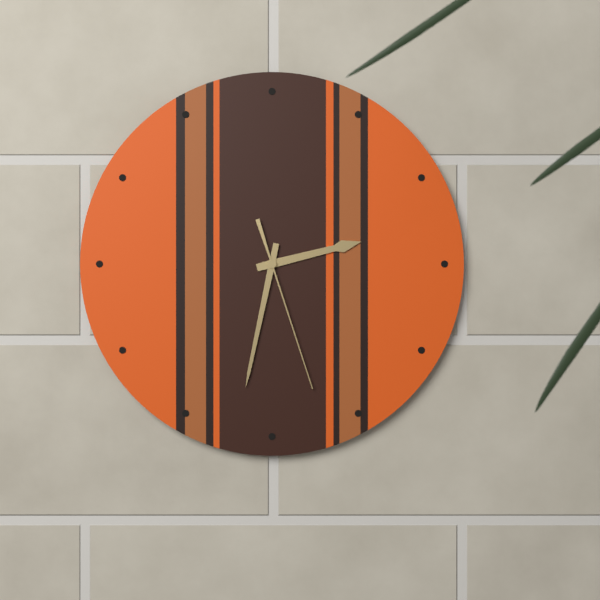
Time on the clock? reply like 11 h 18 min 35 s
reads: 2 h 32 min 27 s
